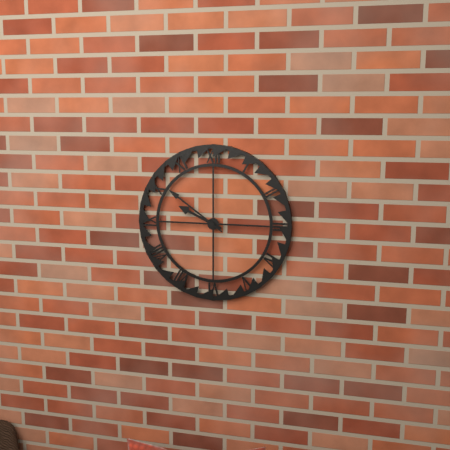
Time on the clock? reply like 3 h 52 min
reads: 9 h 51 min
